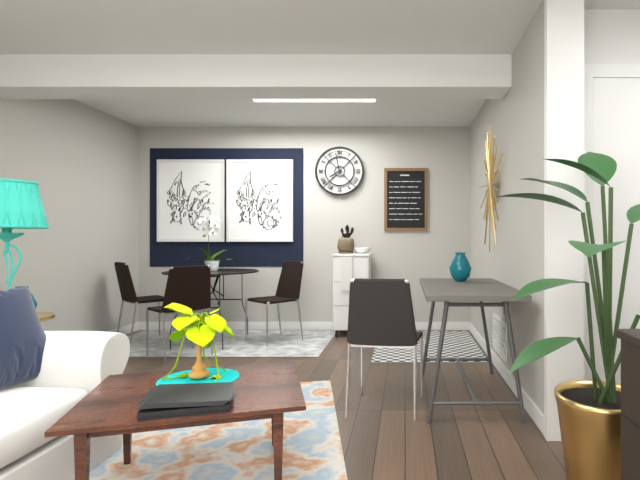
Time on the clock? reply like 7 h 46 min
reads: 7 h 58 min
